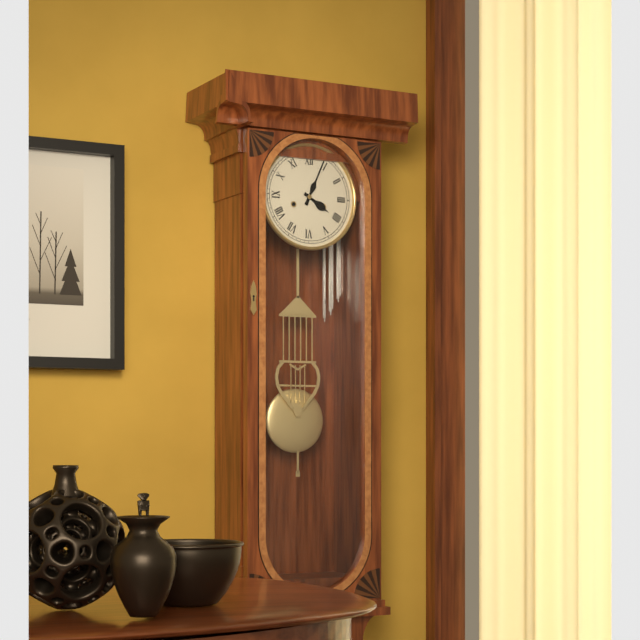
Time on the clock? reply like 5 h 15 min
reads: 4 h 04 min
